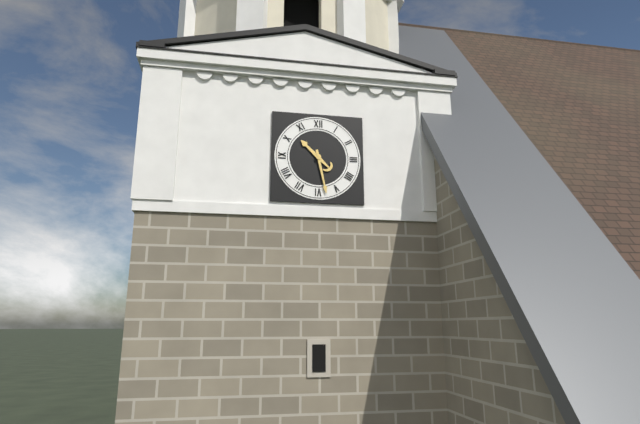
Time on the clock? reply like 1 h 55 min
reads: 10 h 28 min
